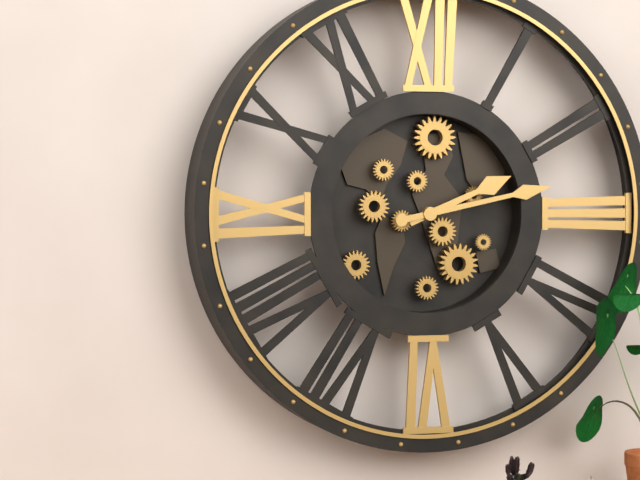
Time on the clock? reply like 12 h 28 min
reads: 2 h 13 min
